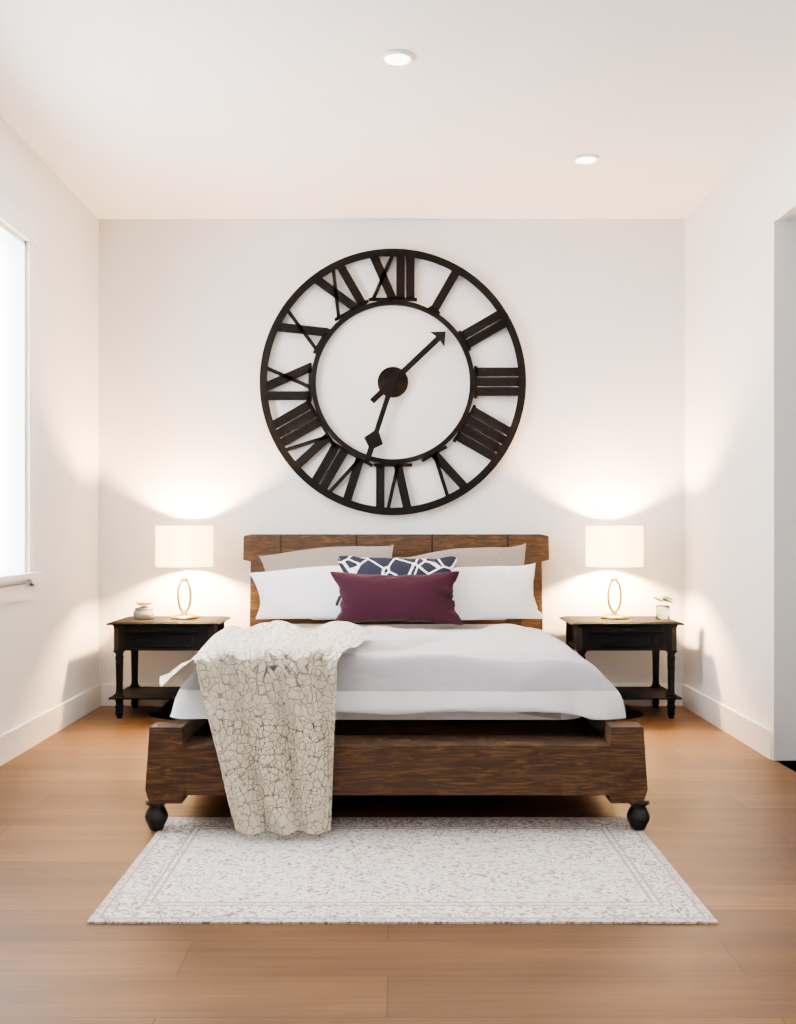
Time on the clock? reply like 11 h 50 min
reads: 1 h 33 min
